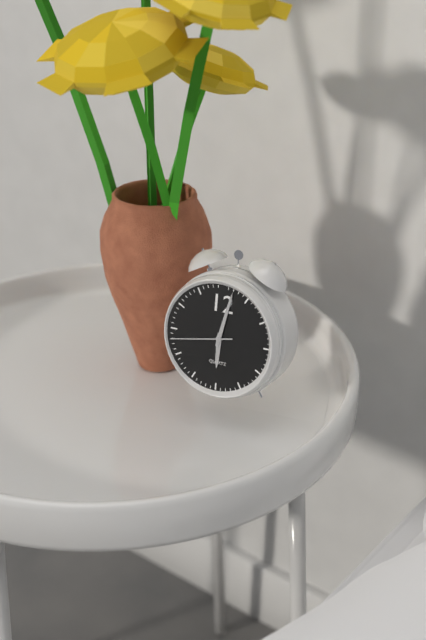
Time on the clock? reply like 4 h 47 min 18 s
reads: 6 h 02 min 43 s
